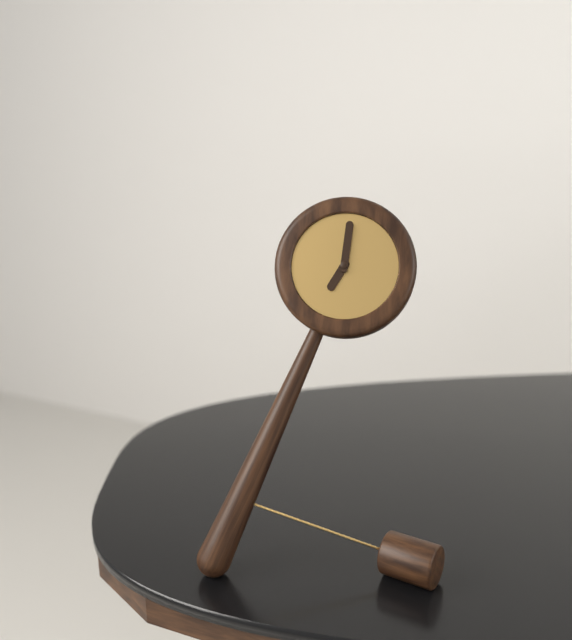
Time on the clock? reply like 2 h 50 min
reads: 7 h 01 min
